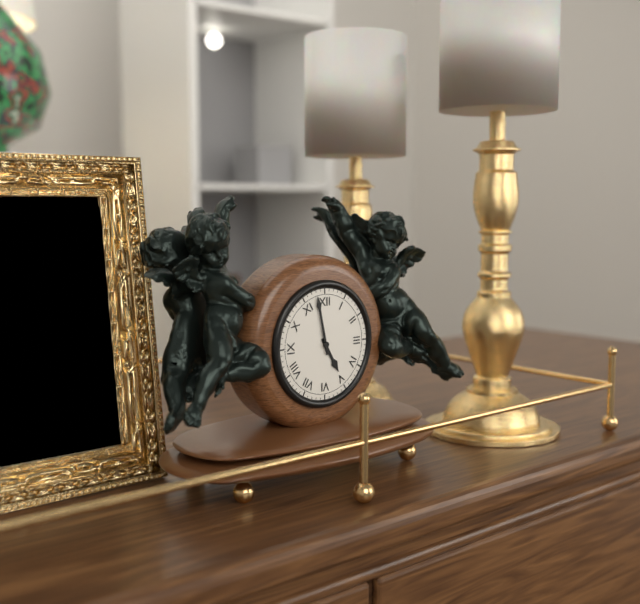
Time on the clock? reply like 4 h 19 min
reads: 4 h 58 min
